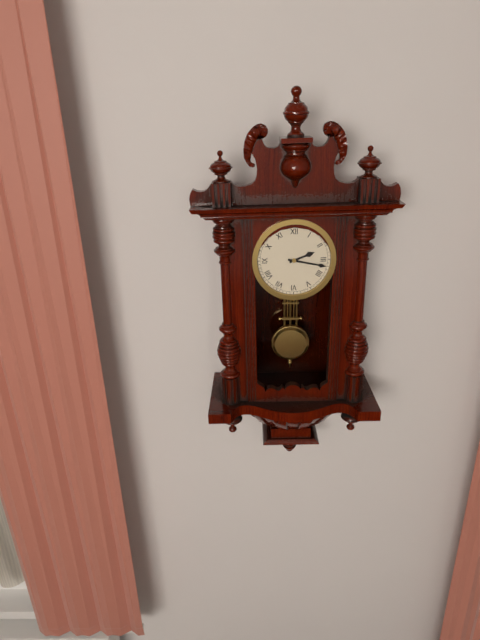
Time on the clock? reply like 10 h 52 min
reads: 2 h 17 min
